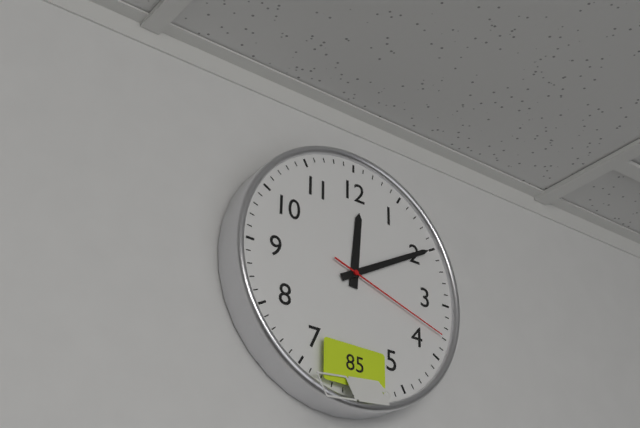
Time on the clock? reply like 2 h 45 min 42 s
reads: 12 h 10 min 18 s
